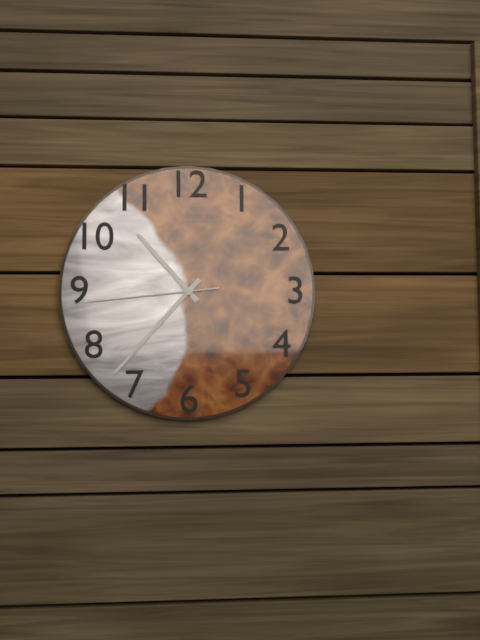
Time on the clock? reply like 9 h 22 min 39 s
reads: 10 h 37 min 44 s
